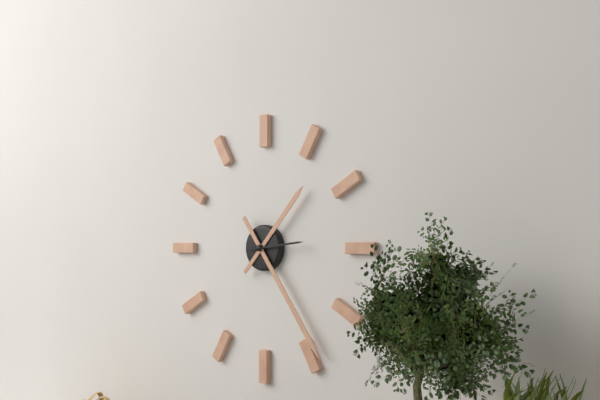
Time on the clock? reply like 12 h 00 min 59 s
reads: 1 h 24 min 14 s
